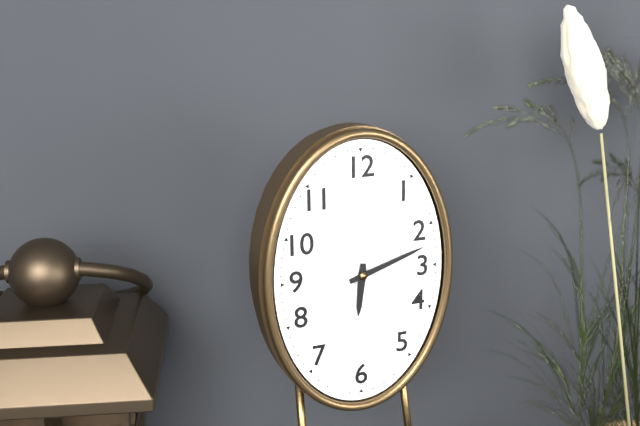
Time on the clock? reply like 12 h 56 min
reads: 6 h 12 min
